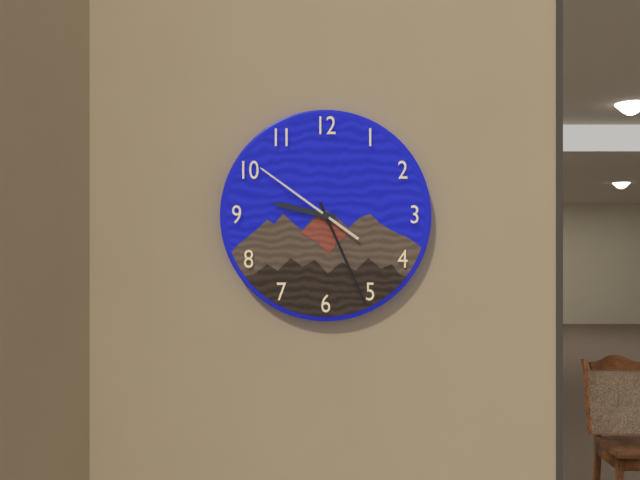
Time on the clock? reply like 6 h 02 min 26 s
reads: 9 h 26 min 51 s
